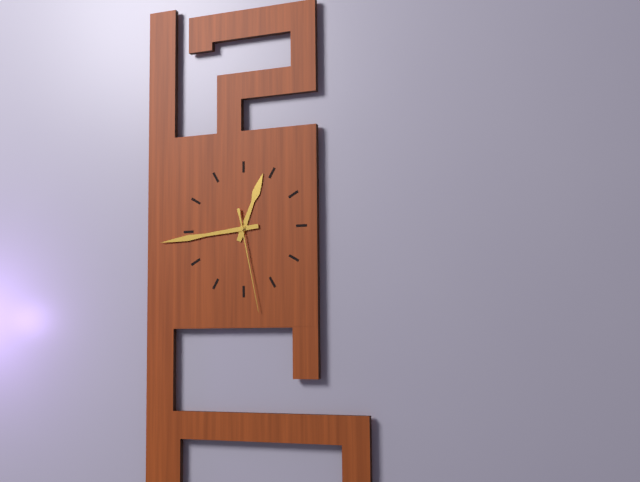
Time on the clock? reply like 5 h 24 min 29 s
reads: 12 h 44 min 28 s
